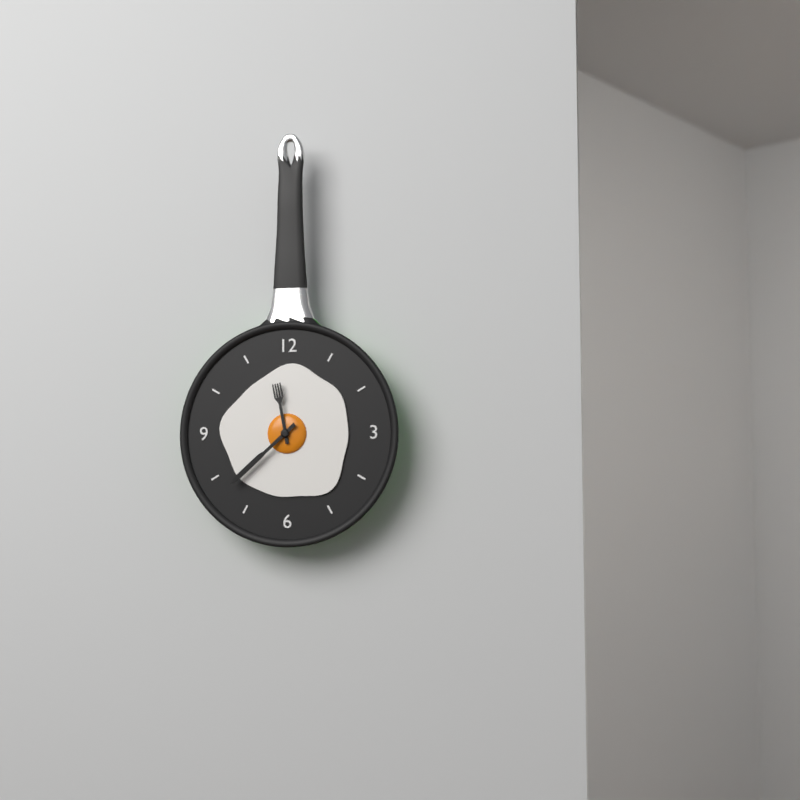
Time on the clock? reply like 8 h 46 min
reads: 11 h 38 min
